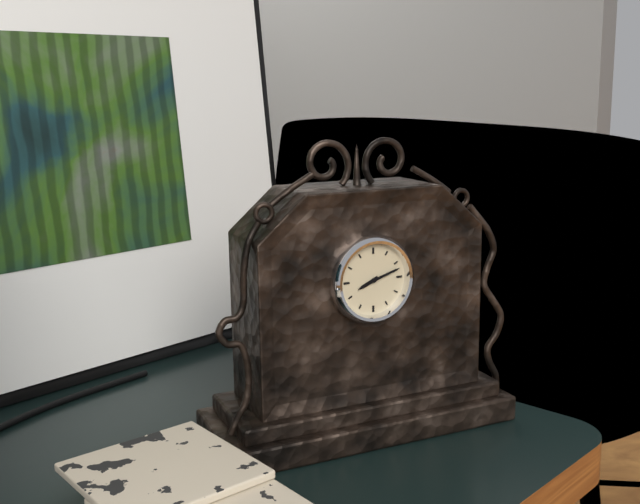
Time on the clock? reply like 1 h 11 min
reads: 8 h 12 min
